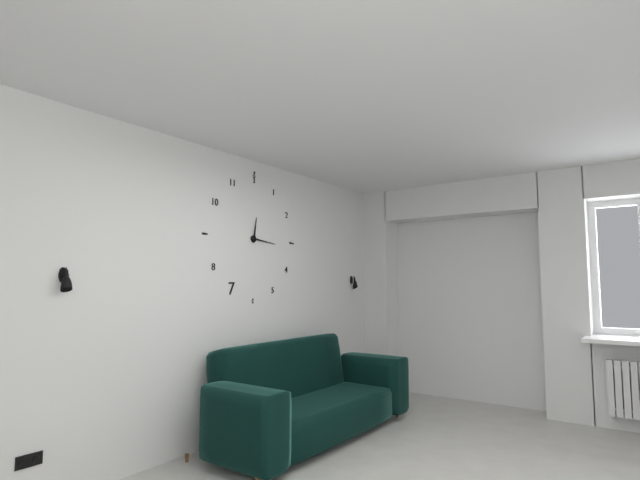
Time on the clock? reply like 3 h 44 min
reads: 12 h 16 min
